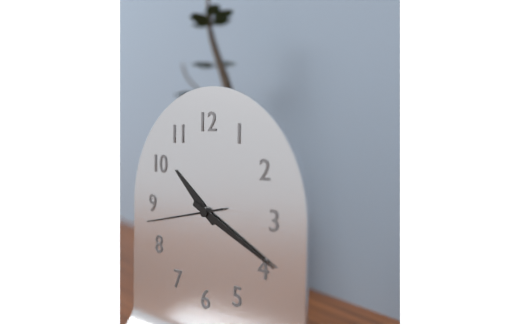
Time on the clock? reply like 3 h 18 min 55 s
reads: 10 h 19 min 43 s
